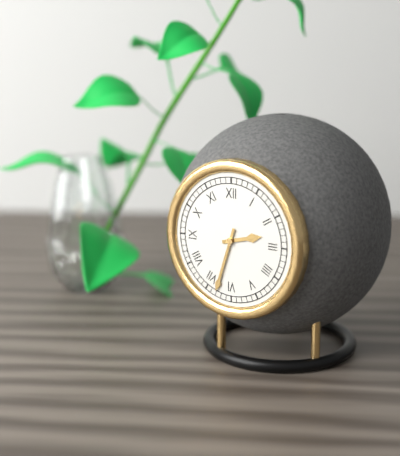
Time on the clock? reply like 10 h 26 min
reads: 2 h 33 min
